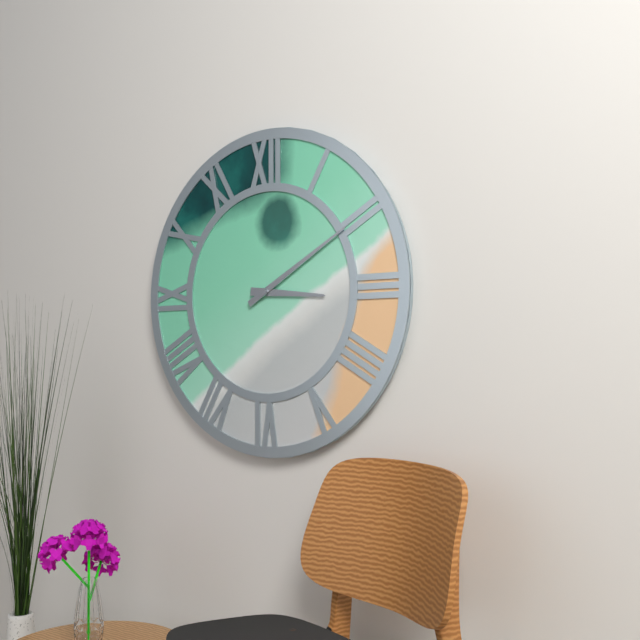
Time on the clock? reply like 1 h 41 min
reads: 3 h 10 min
